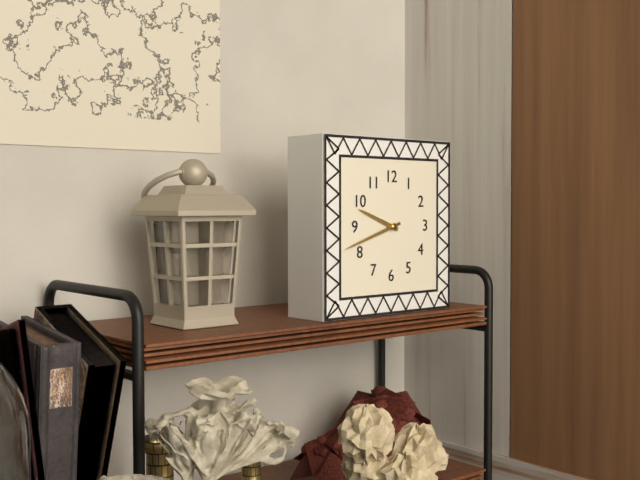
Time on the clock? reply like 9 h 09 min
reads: 9 h 42 min
